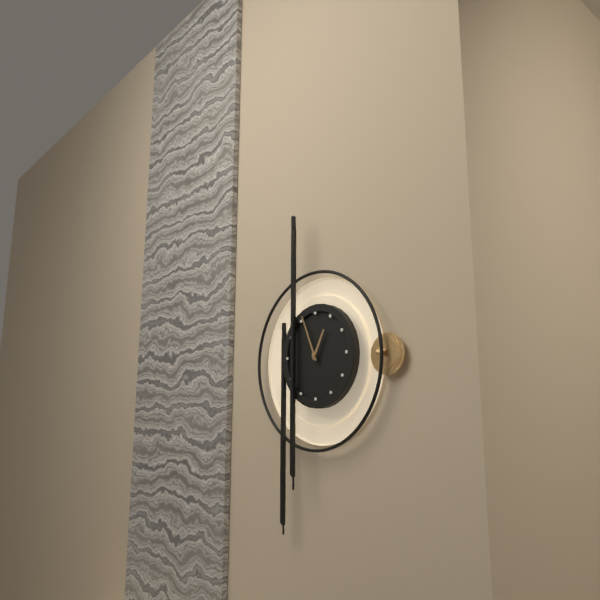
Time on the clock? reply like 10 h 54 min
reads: 12 h 56 min
